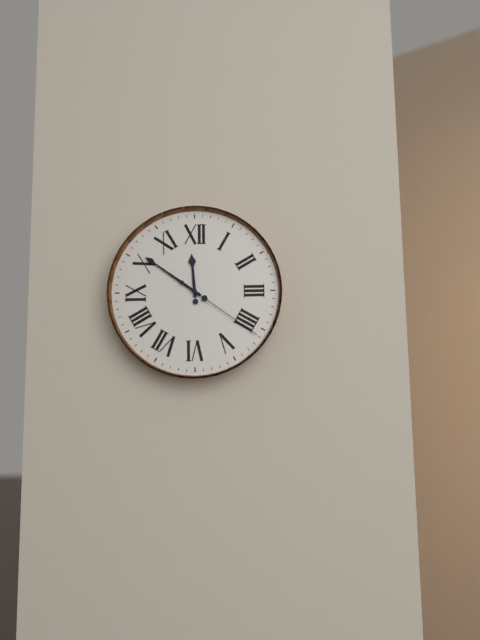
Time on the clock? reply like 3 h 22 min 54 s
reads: 11 h 51 min 21 s
